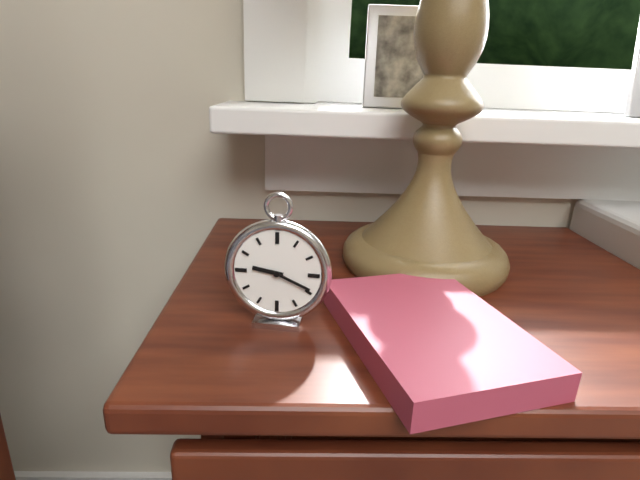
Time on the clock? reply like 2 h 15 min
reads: 9 h 19 min
